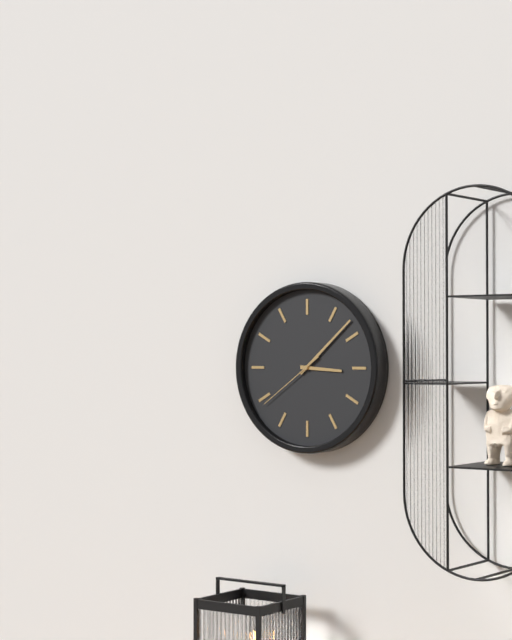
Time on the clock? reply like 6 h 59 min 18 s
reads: 3 h 08 min 39 s
